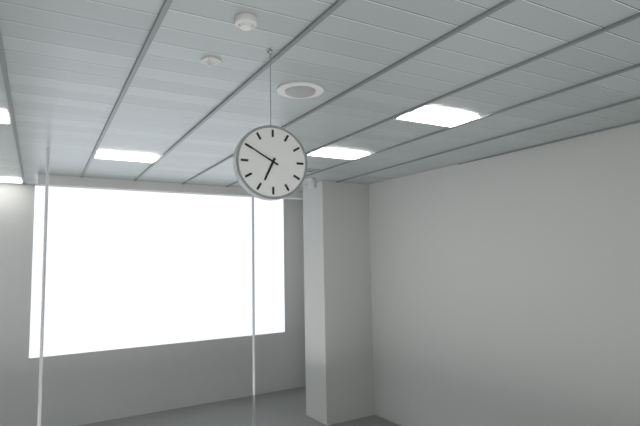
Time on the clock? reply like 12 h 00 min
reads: 6 h 50 min
